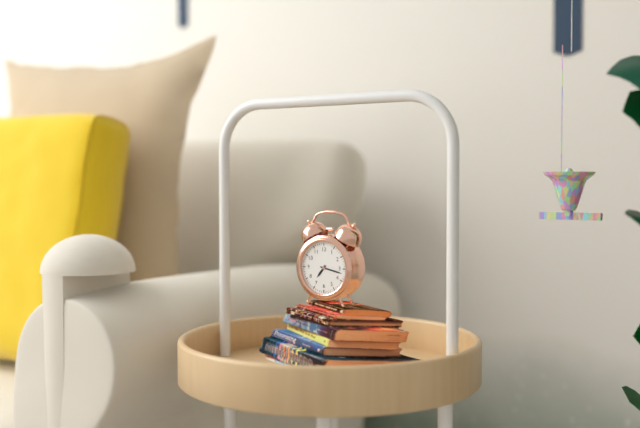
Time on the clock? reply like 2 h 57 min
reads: 7 h 17 min
